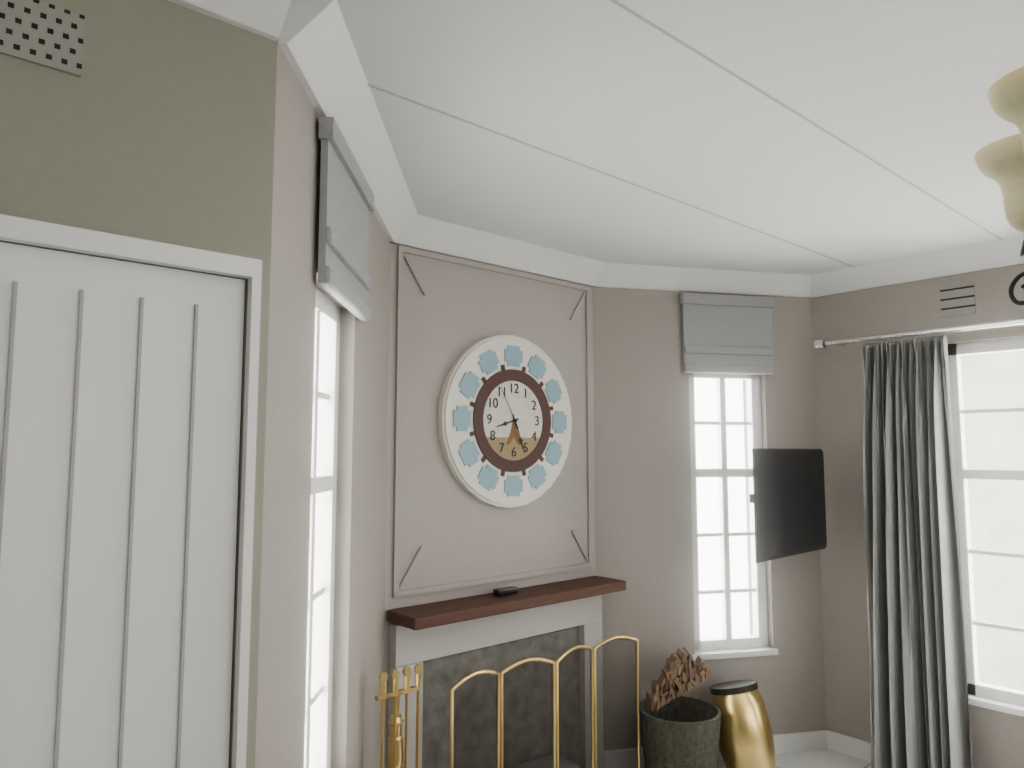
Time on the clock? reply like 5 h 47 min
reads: 8 h 26 min
